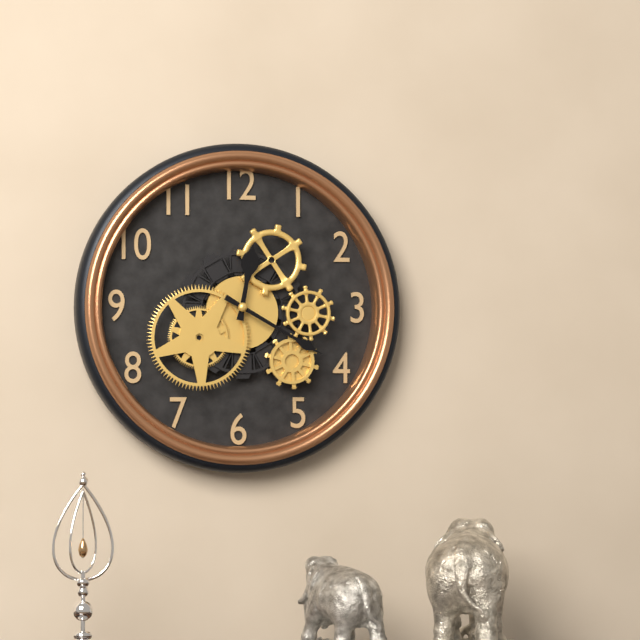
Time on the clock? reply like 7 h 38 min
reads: 12 h 20 min
